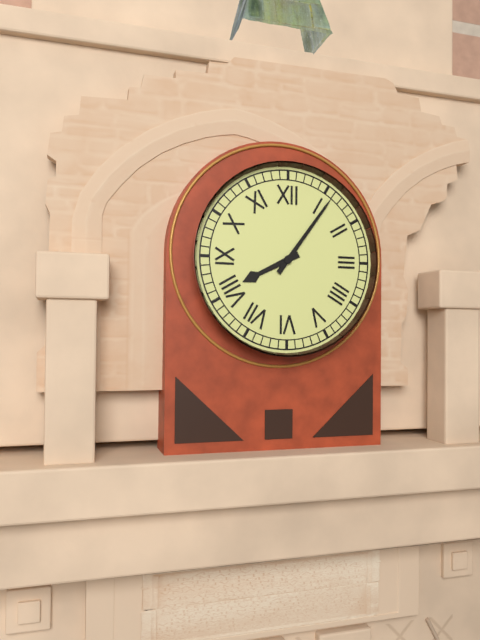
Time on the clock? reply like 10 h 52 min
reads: 8 h 06 min
